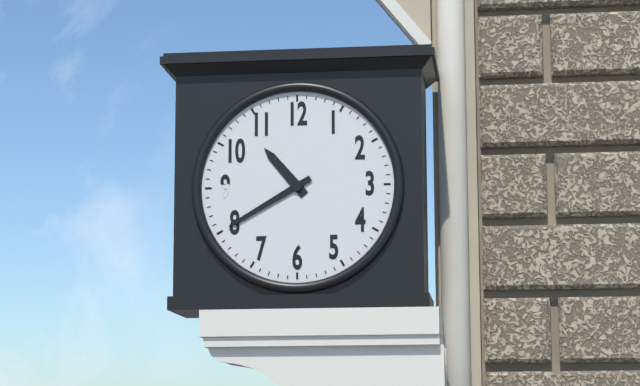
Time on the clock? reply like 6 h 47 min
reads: 10 h 40 min
